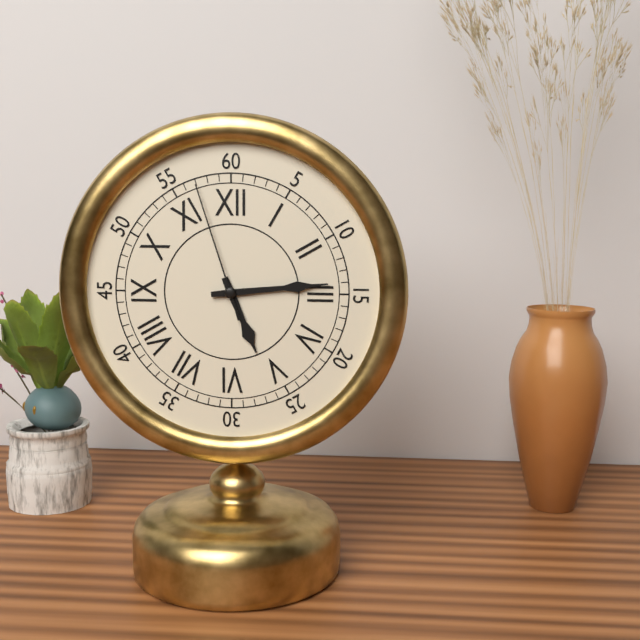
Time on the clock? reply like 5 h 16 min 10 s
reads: 5 h 14 min 57 s
